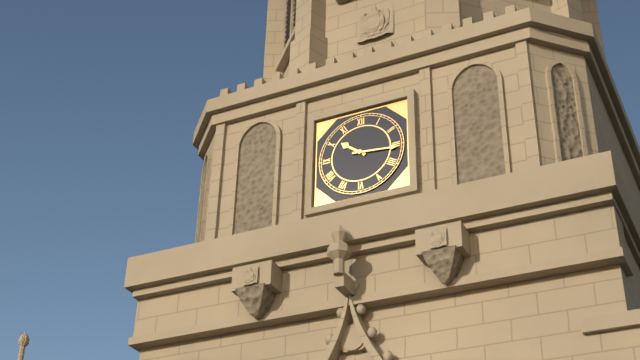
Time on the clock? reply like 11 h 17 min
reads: 10 h 16 min
